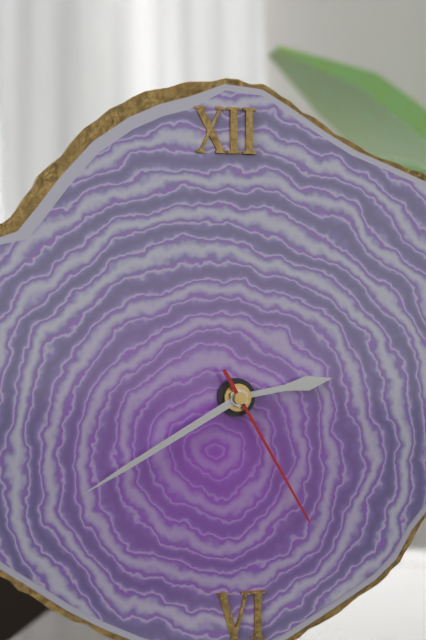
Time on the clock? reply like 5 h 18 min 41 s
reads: 2 h 40 min 25 s
